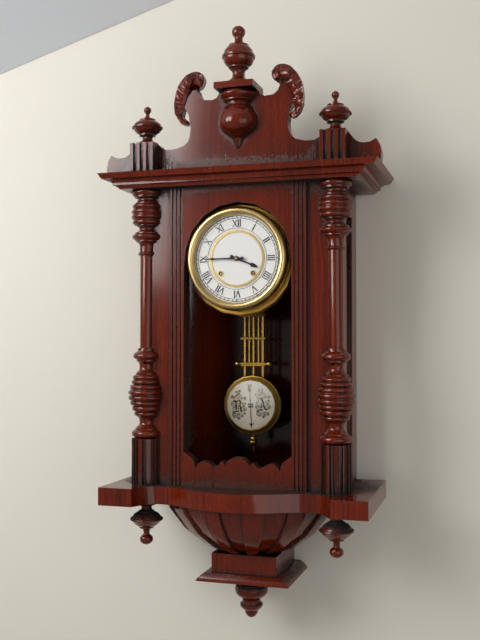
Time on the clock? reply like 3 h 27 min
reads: 3 h 45 min
